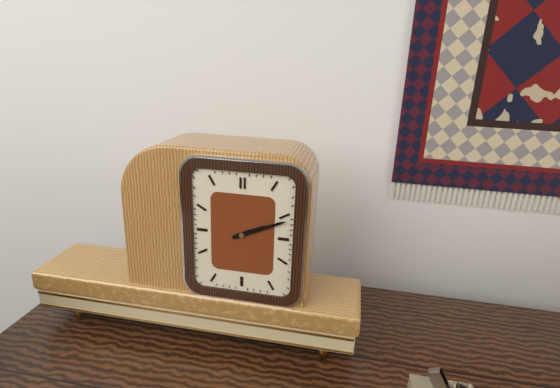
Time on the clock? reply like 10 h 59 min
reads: 2 h 11 min
